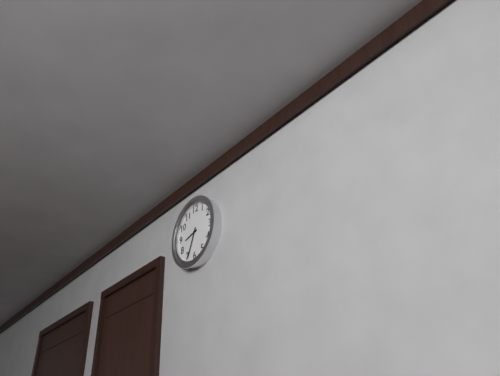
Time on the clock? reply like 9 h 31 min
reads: 8 h 34 min
